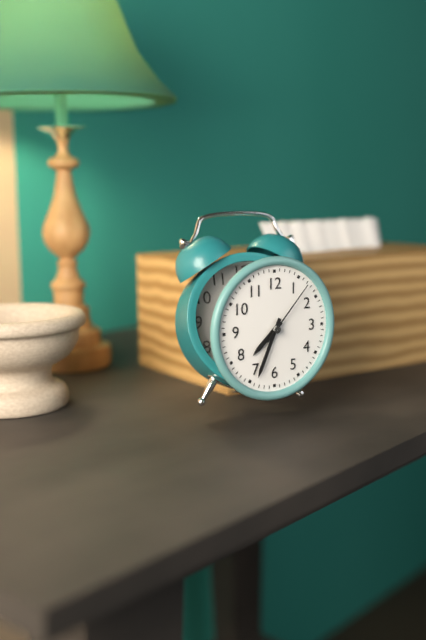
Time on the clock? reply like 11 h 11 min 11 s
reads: 7 h 34 min 07 s
